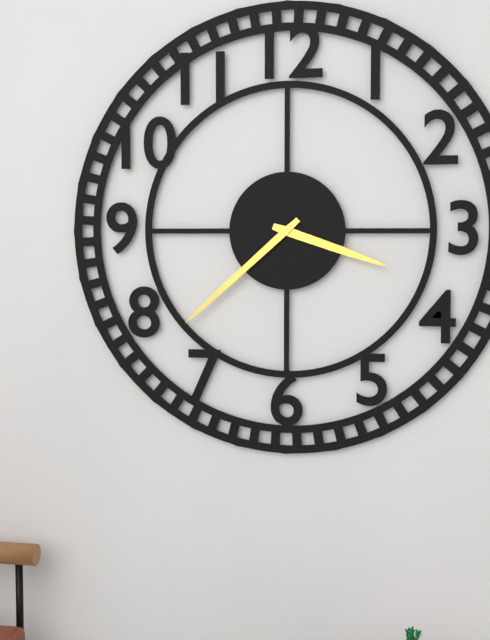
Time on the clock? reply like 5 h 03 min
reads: 3 h 38 min
